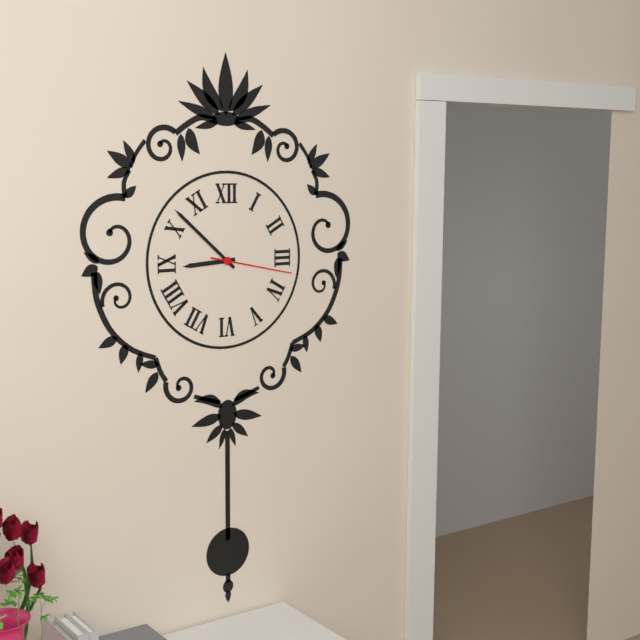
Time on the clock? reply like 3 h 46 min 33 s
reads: 8 h 52 min 17 s
